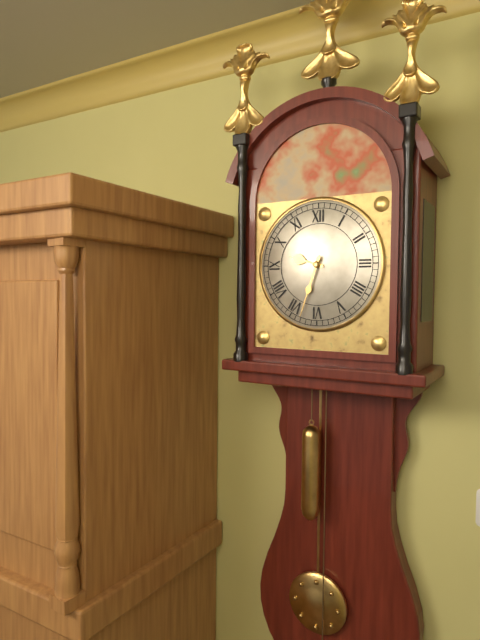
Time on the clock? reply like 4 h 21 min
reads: 9 h 33 min
